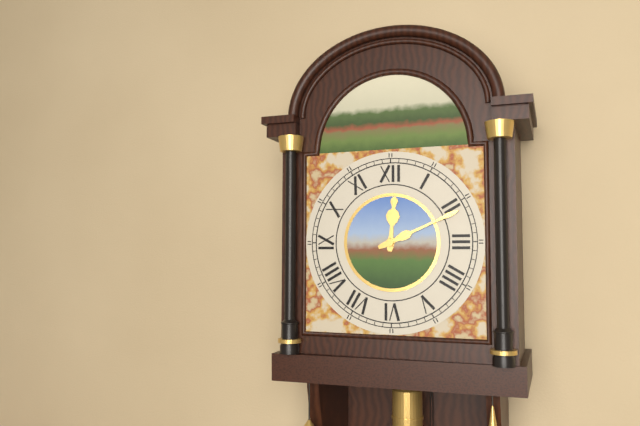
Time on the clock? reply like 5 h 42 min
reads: 12 h 11 min
